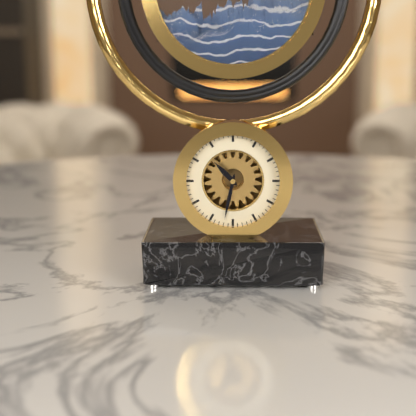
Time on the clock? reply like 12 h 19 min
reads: 10 h 32 min
